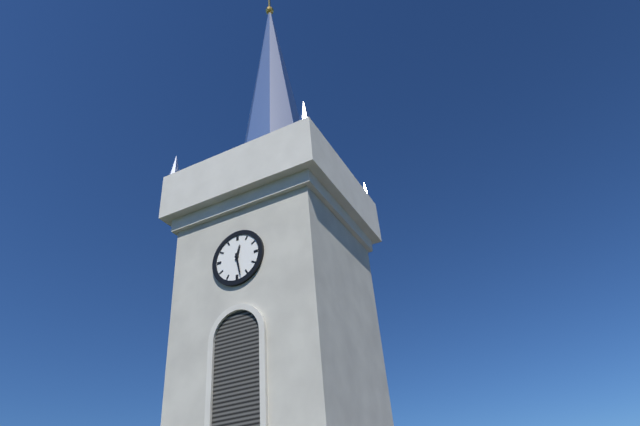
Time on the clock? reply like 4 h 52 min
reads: 12 h 28 min
